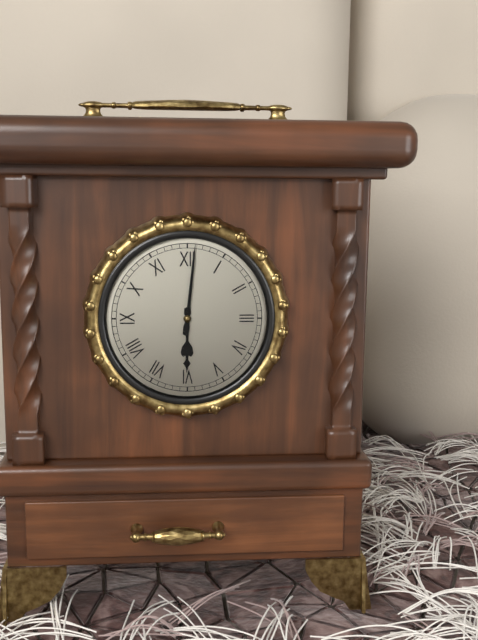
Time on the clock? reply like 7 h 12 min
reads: 6 h 01 min
